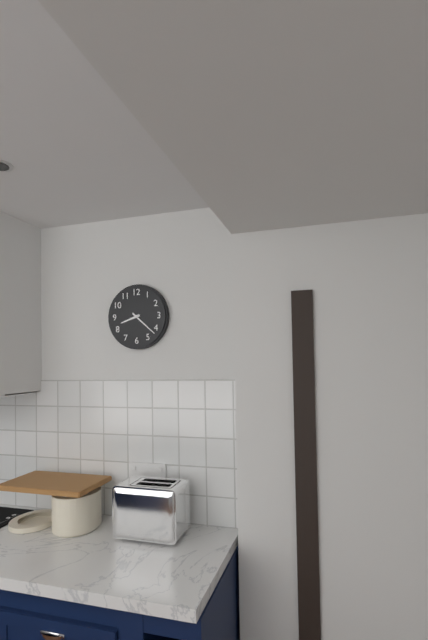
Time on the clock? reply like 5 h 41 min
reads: 8 h 22 min
